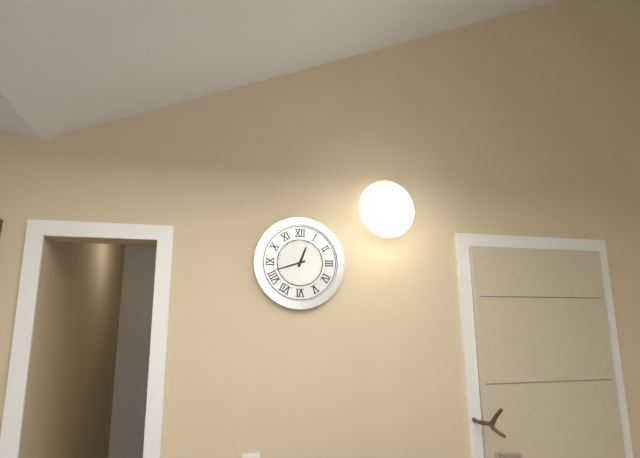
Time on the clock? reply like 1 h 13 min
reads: 12 h 42 min
